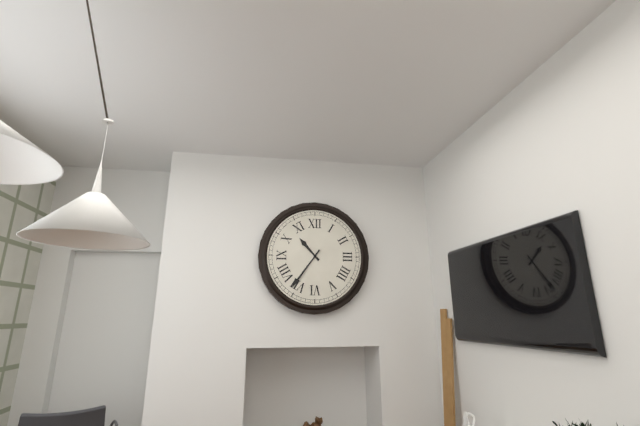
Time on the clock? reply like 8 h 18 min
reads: 10 h 36 min
